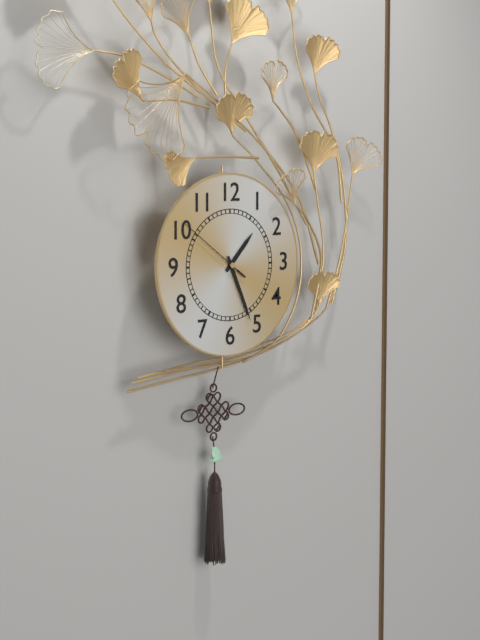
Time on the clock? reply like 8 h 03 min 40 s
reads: 1 h 26 min 51 s
